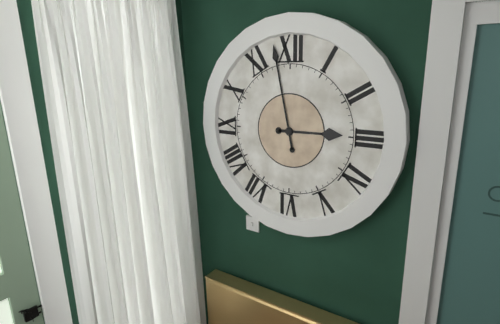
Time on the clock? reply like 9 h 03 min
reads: 2 h 58 min
